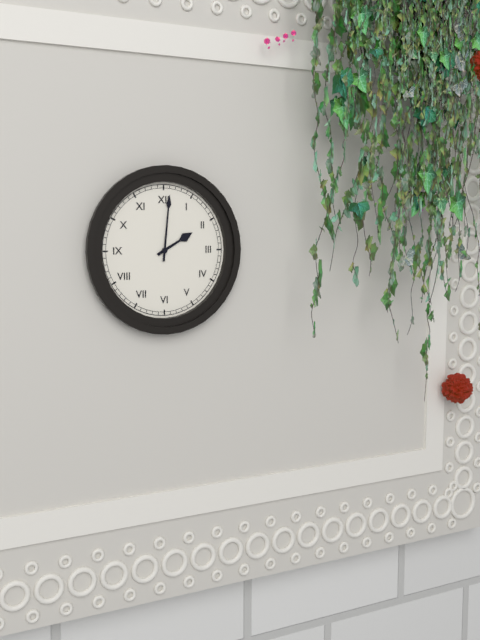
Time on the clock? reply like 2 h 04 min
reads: 2 h 01 min
